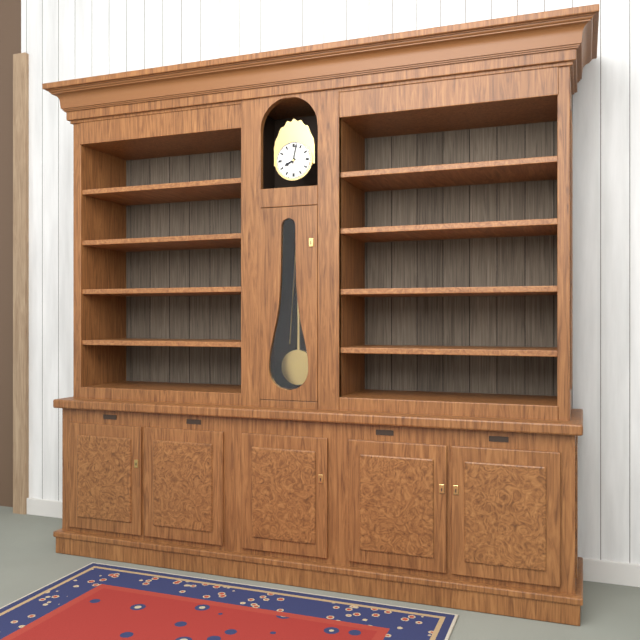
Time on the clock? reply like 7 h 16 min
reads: 8 h 02 min
